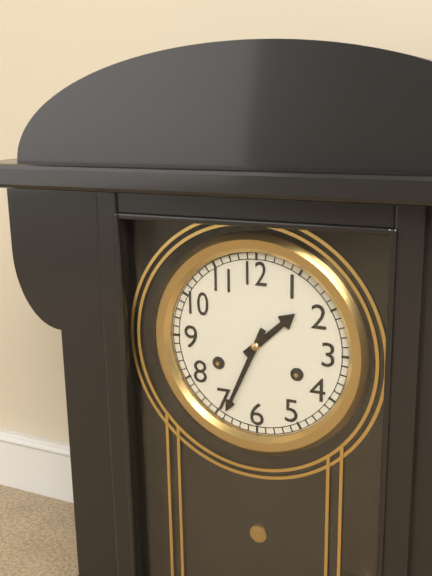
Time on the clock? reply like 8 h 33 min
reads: 1 h 34 min
